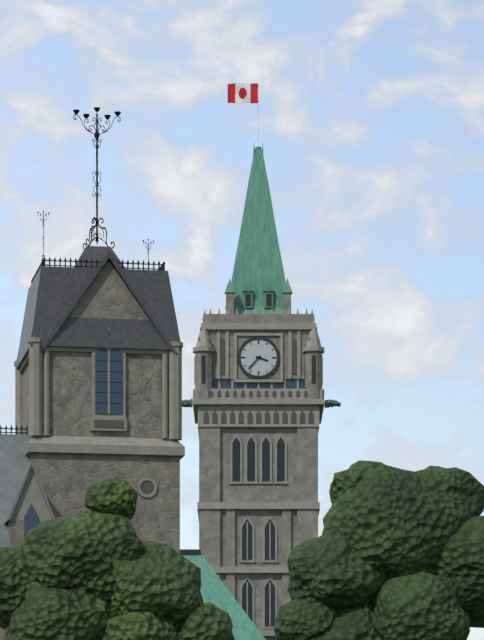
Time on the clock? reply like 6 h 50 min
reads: 3 h 37 min
